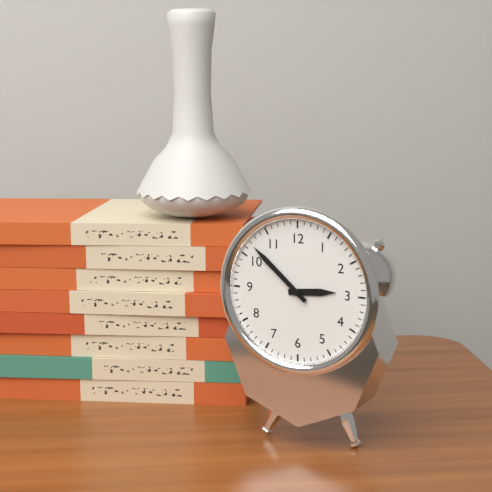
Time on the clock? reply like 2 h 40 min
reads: 2 h 52 min
